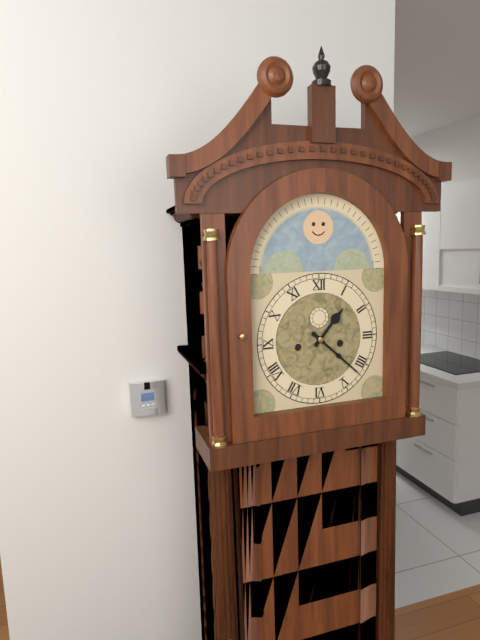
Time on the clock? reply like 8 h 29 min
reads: 1 h 22 min
